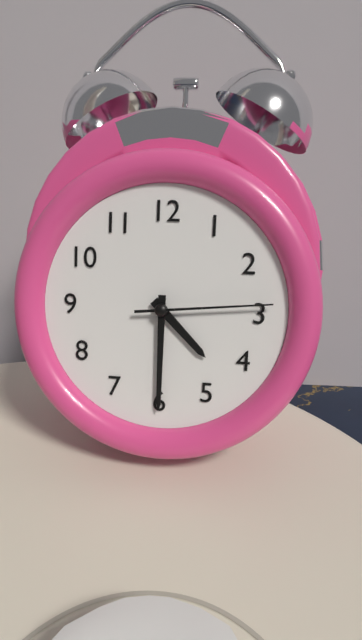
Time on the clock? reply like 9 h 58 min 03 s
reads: 4 h 30 min 14 s
